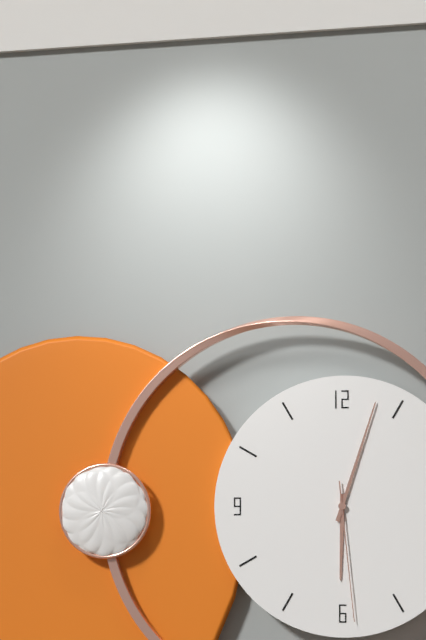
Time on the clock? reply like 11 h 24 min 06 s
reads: 6 h 03 min 29 s
